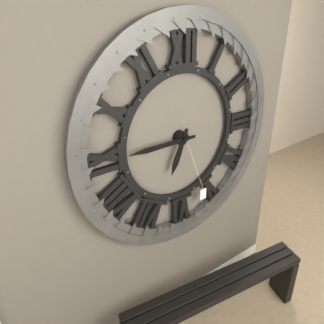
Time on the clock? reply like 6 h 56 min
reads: 6 h 45 min
